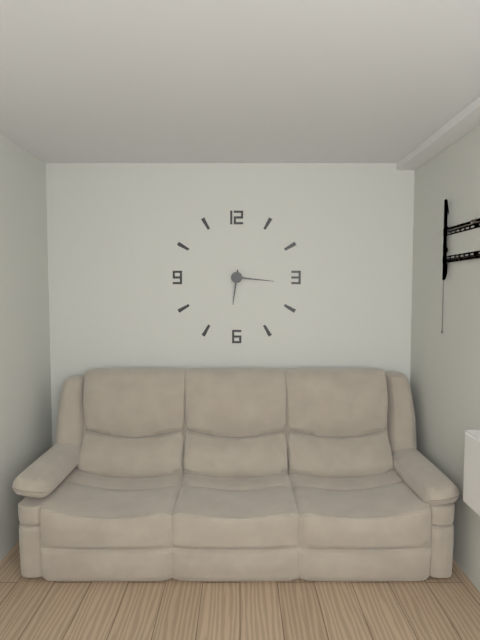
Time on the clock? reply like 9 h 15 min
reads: 6 h 16 min
